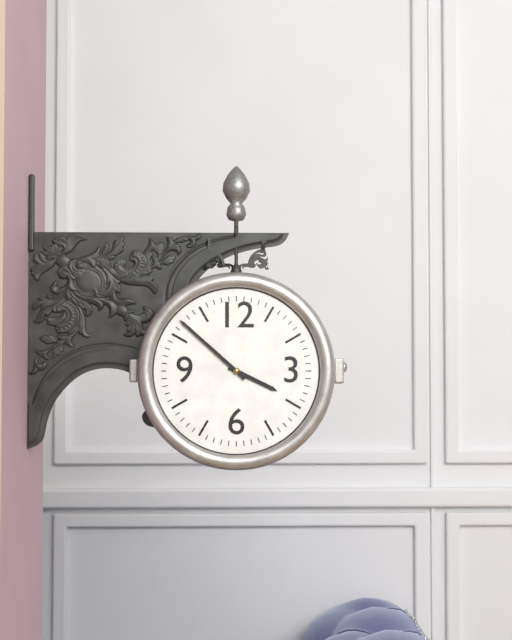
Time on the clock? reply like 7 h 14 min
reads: 3 h 52 min
